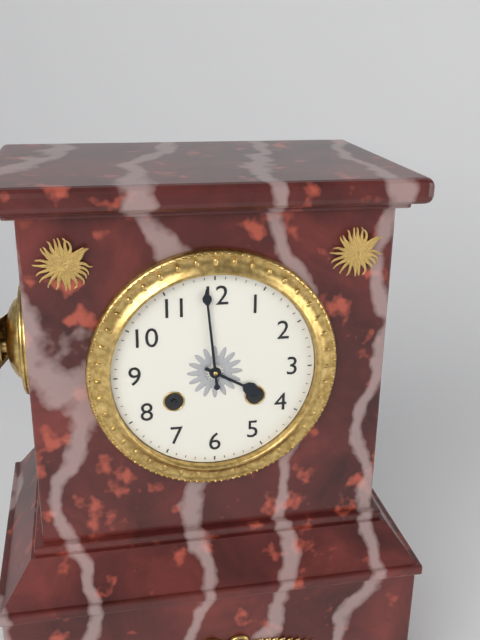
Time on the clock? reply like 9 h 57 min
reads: 3 h 59 min
